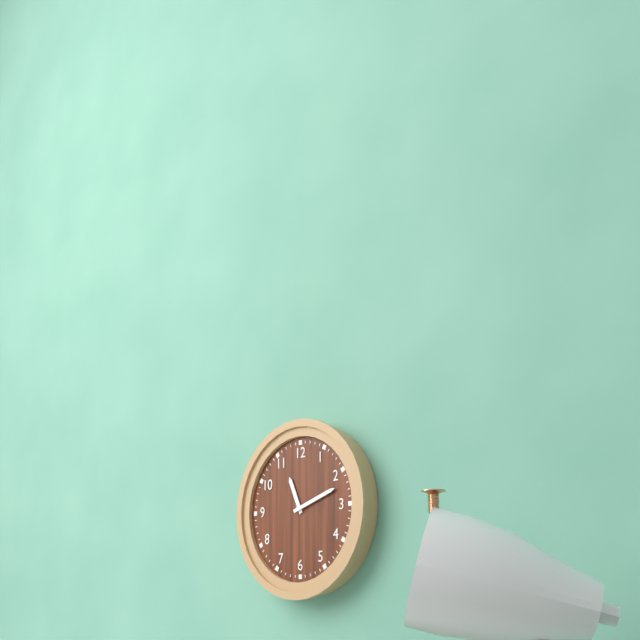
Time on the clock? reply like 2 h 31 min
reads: 11 h 12 min
